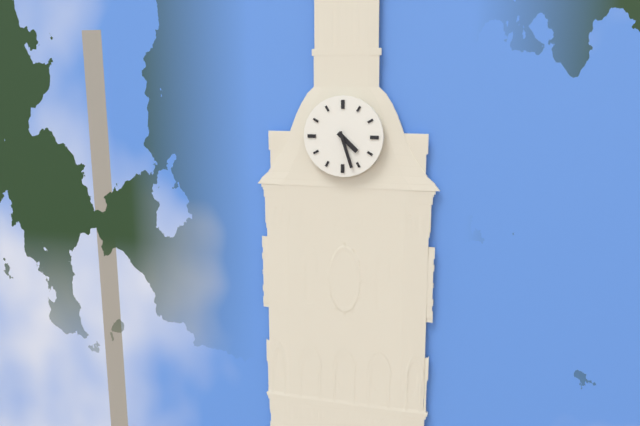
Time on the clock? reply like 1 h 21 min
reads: 4 h 27 min
